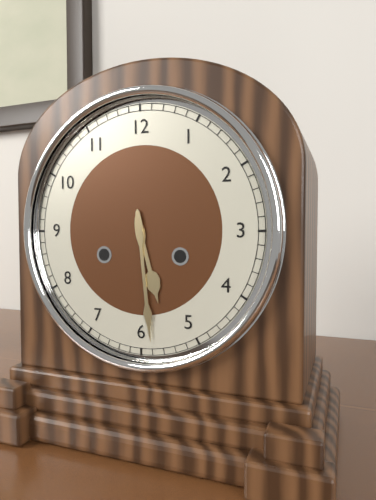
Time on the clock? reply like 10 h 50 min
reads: 5 h 29 min
